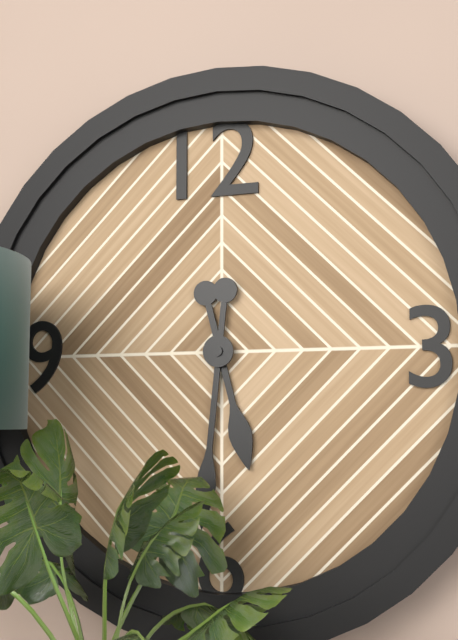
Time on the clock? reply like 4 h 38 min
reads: 5 h 31 min
